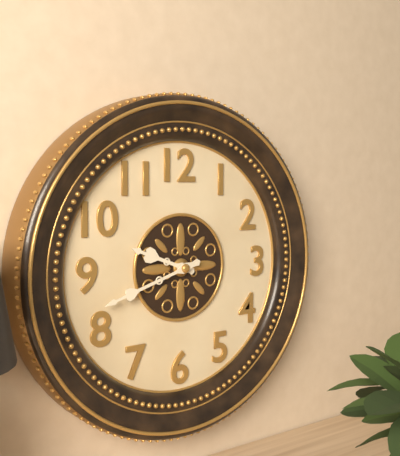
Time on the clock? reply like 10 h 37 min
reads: 9 h 42 min
